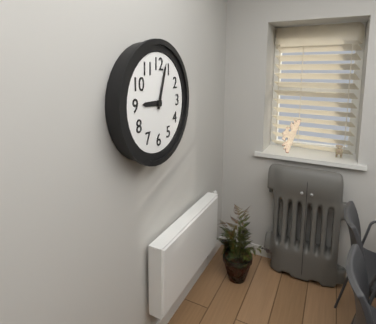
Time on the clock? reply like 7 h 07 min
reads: 9 h 03 min
